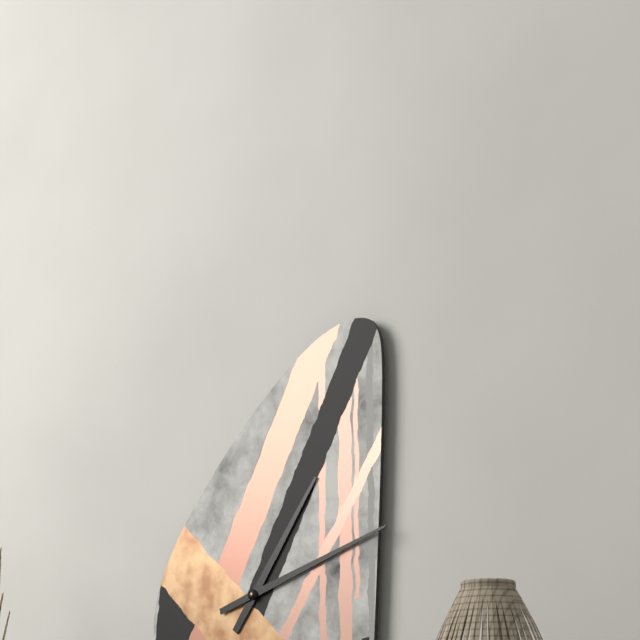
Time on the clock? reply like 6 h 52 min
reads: 1 h 12 min
